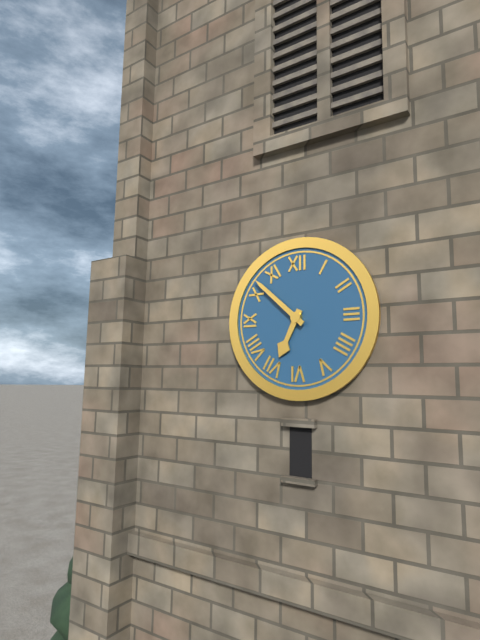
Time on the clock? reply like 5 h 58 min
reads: 6 h 52 min
